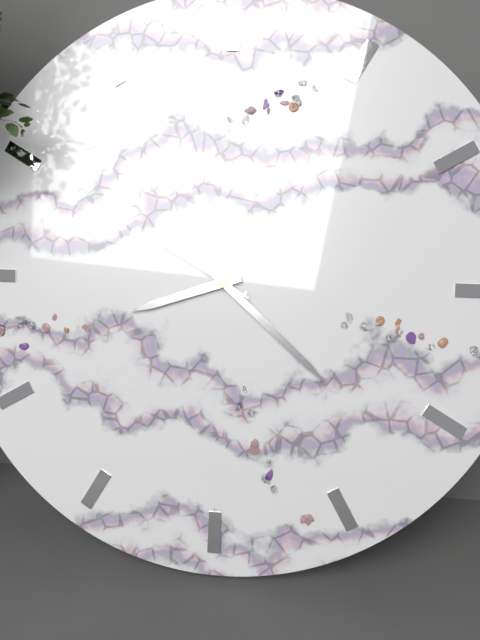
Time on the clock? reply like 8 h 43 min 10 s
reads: 8 h 22 min 50 s
